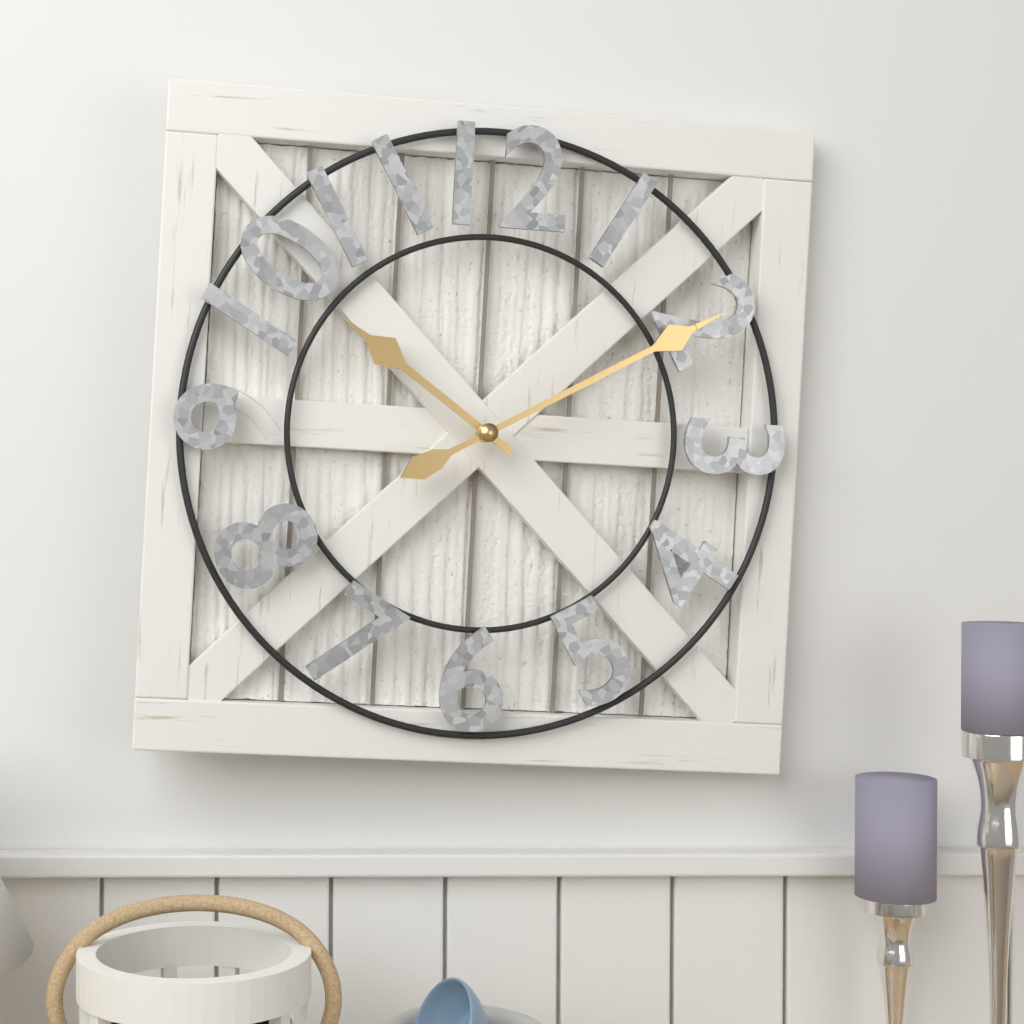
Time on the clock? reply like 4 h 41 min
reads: 10 h 10 min
